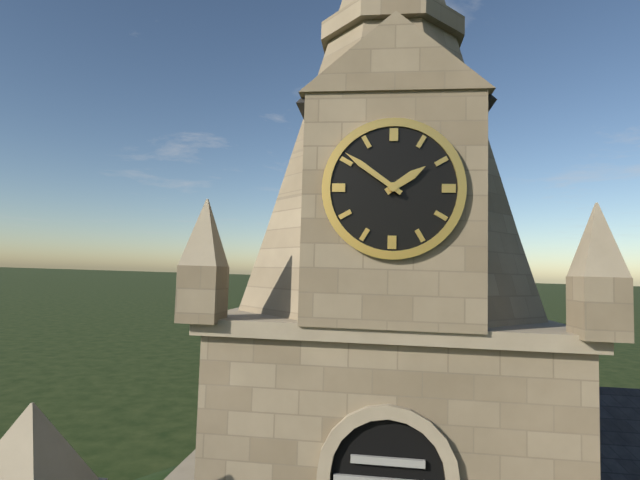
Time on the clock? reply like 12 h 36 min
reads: 1 h 51 min
